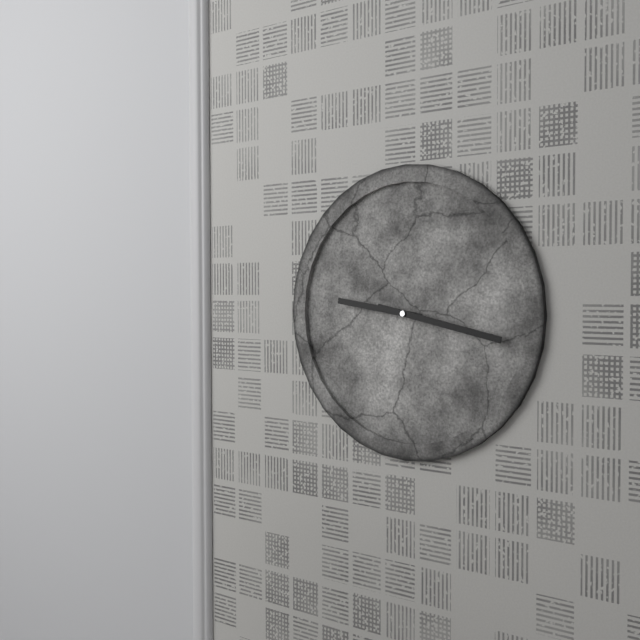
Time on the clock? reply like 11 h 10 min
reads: 9 h 17 min
